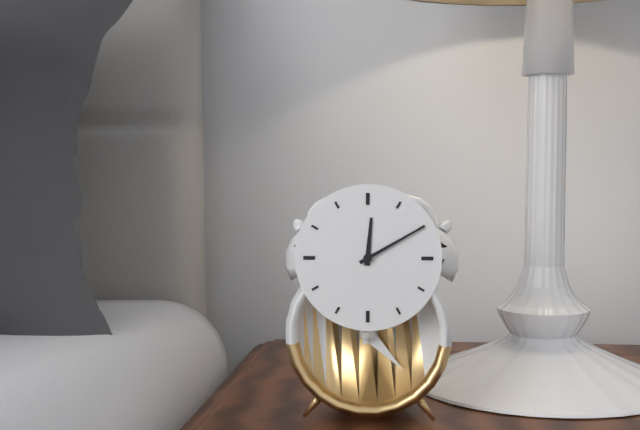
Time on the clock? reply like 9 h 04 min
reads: 12 h 10 min
